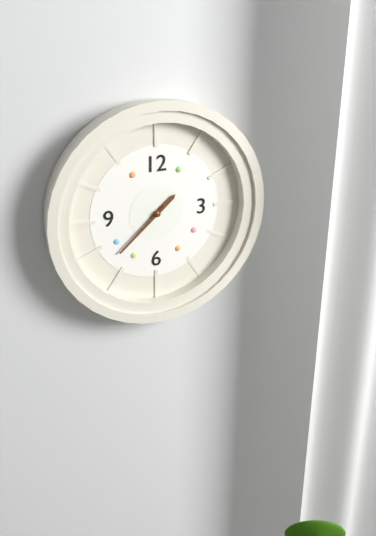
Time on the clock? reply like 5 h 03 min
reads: 1 h 38 min
